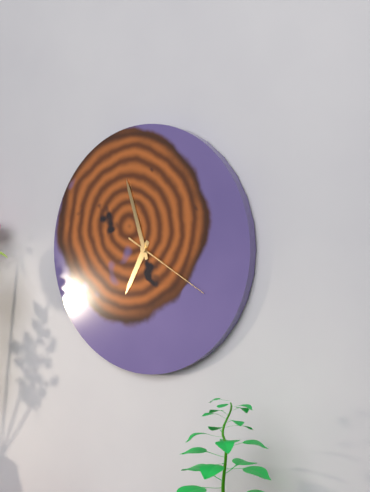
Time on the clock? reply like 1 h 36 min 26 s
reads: 6 h 57 min 20 s
